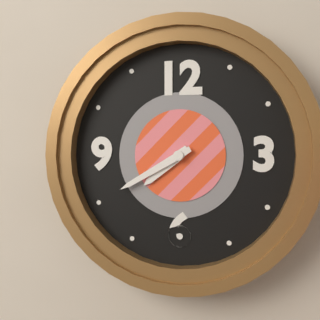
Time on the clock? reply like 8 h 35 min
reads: 7 h 40 min
